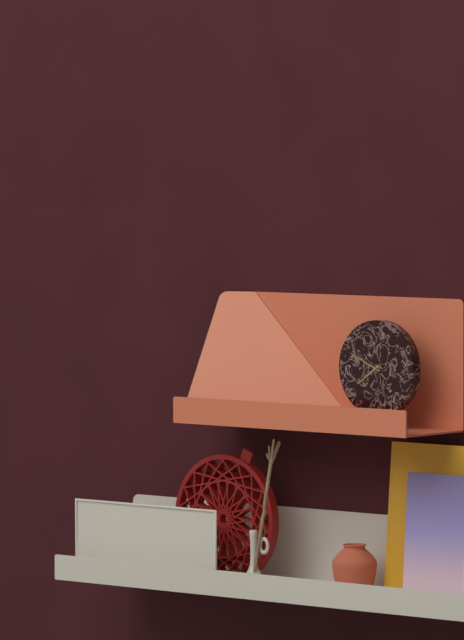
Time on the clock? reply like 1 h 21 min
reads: 7 h 49 min
